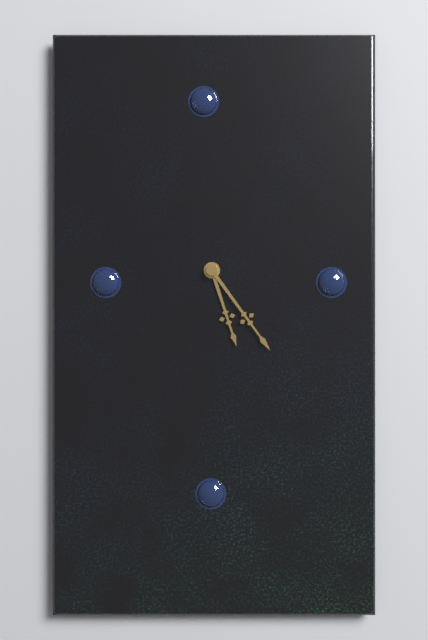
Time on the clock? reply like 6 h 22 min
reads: 5 h 24 min
